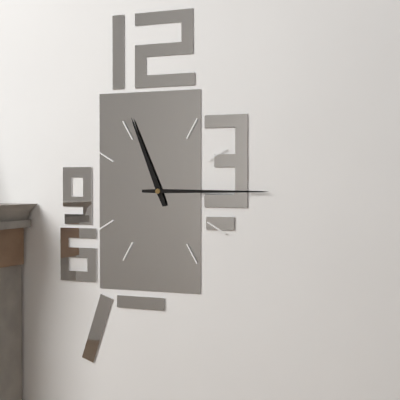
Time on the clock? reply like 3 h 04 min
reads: 11 h 15 min
